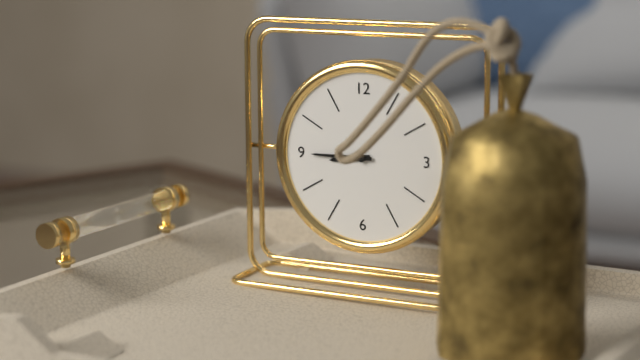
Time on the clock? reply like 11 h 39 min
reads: 8 h 45 min
